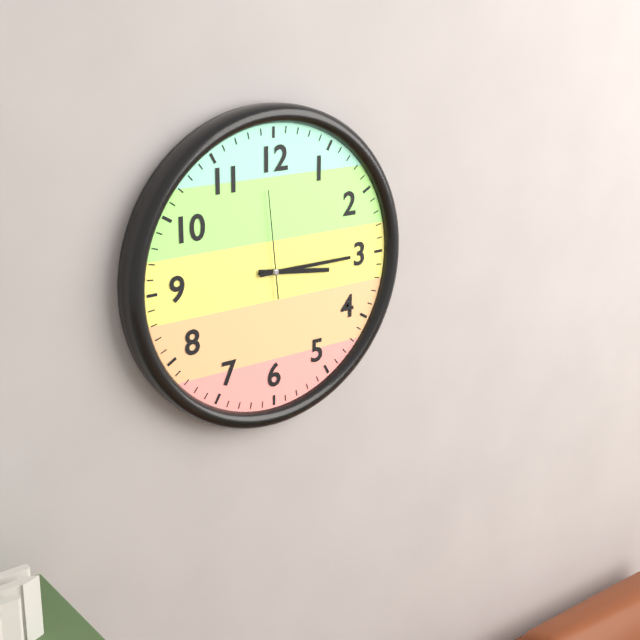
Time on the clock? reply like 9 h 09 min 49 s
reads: 3 h 15 min 59 s
